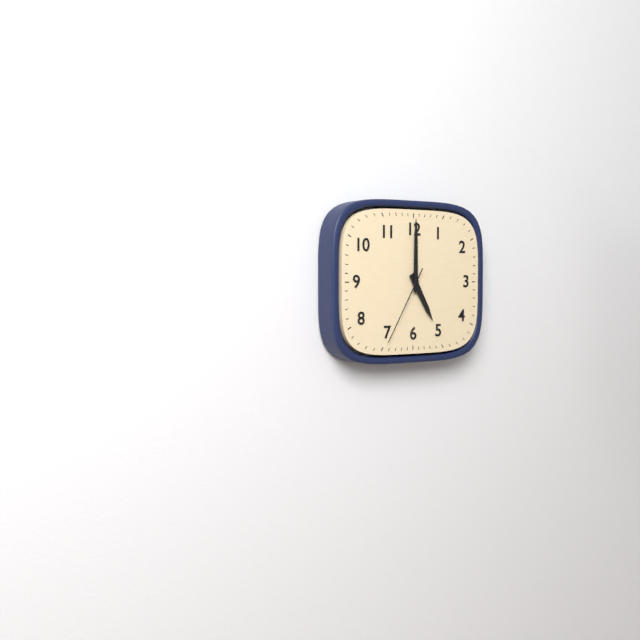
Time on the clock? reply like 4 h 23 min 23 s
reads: 5 h 00 min 35 s
